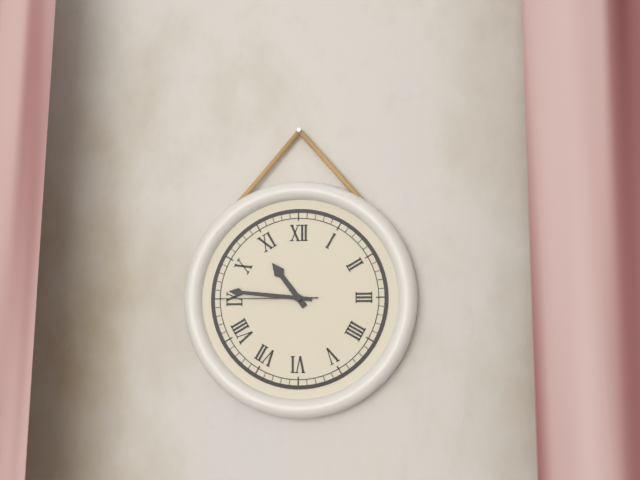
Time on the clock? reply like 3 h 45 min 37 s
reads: 10 h 46 min 45 s
